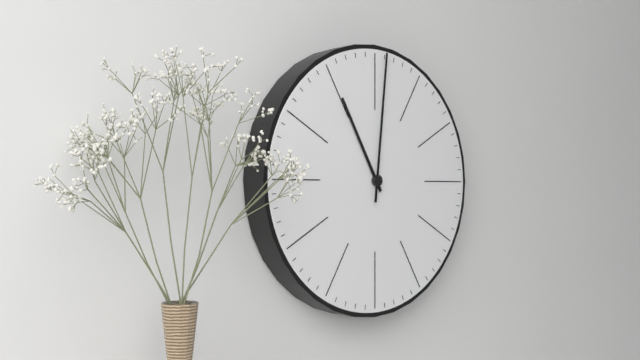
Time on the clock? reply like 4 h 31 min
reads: 11 h 01 min
